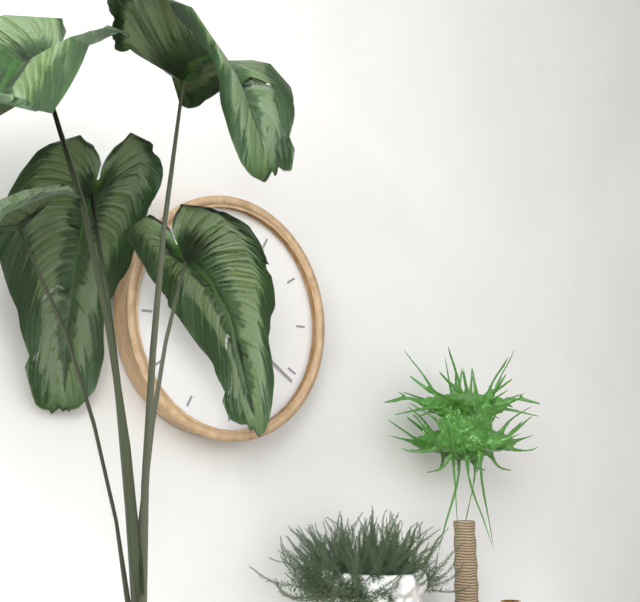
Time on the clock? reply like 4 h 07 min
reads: 5 h 21 min
